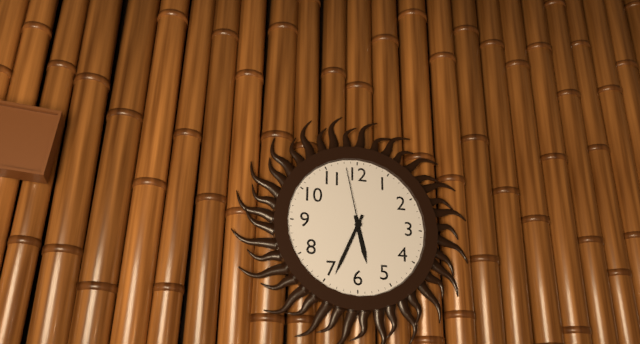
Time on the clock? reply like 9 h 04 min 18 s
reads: 5 h 34 min 58 s
